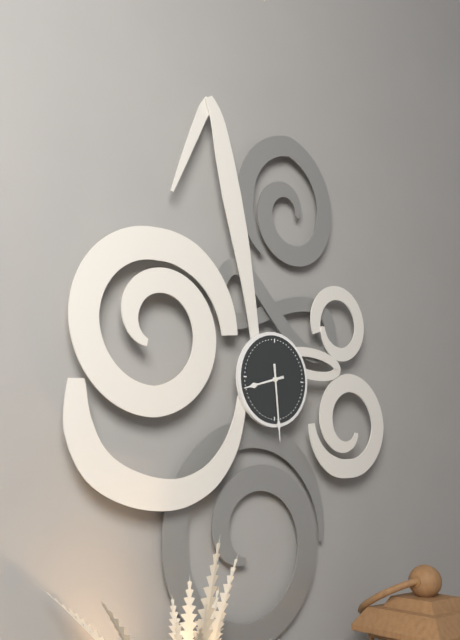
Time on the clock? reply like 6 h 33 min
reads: 8 h 29 min
